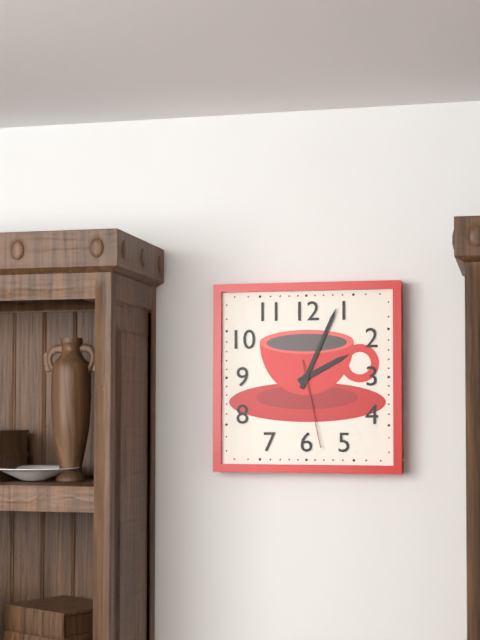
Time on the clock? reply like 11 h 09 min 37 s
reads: 2 h 04 min 28 s
